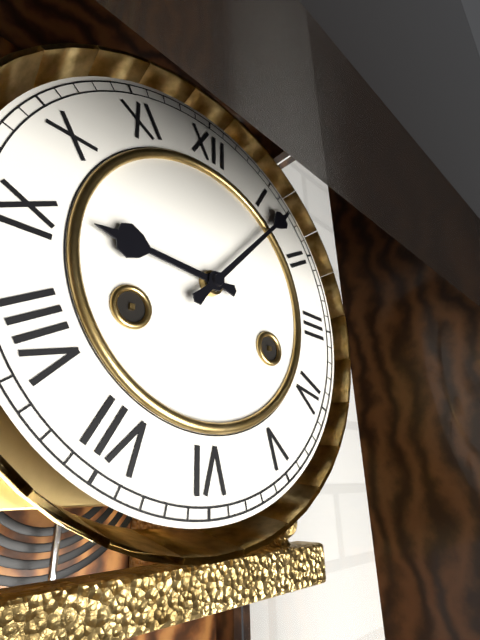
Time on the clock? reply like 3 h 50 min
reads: 9 h 07 min
